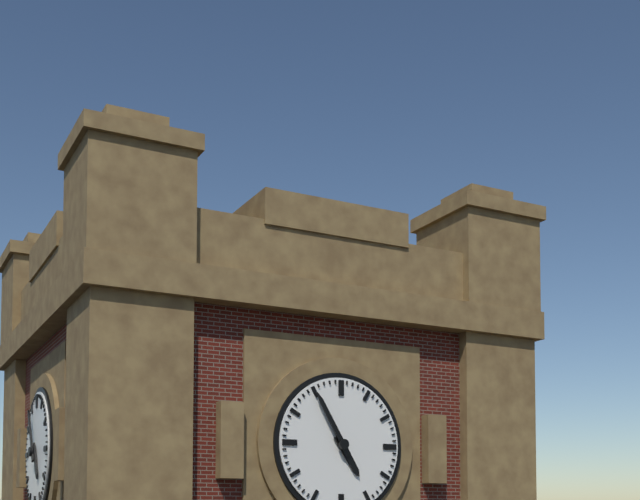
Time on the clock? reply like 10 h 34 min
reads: 4 h 55 min
